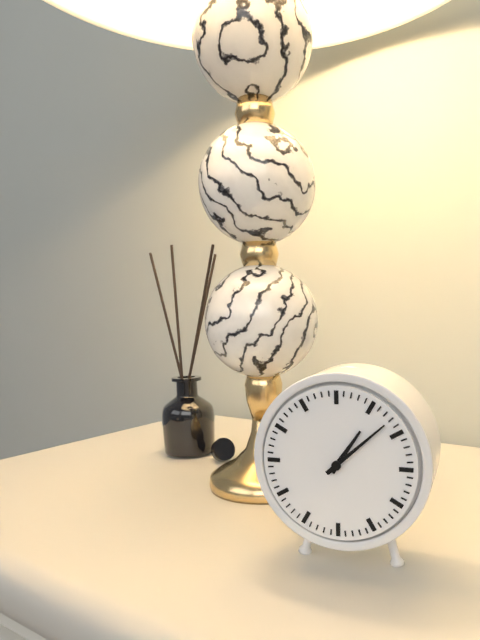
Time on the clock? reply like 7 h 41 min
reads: 1 h 08 min
